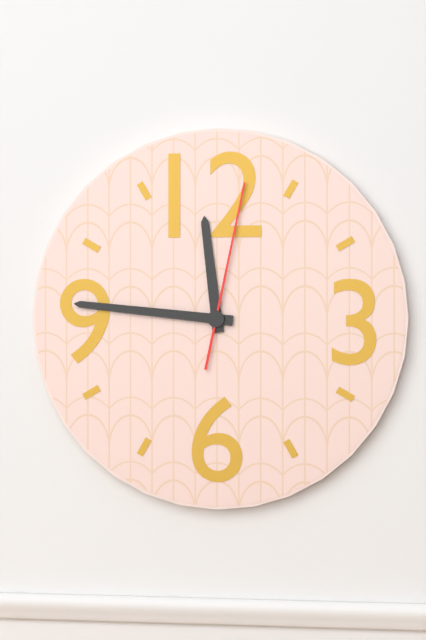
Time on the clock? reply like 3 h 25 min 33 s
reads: 11 h 46 min 02 s
